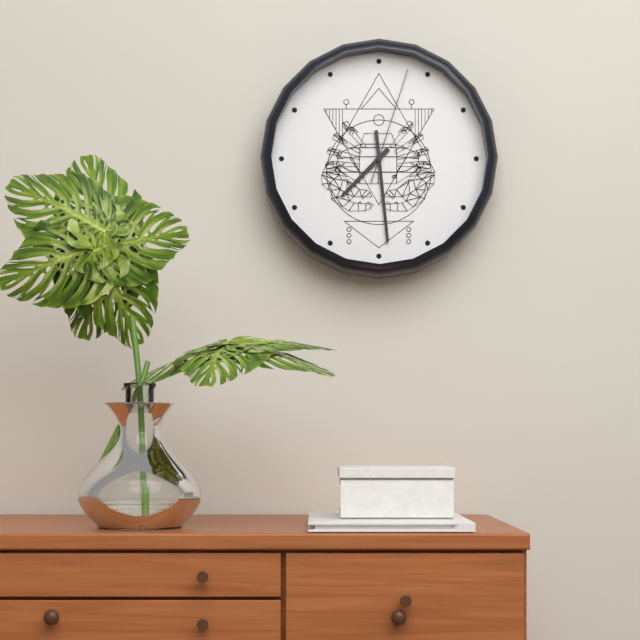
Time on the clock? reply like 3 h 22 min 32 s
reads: 7 h 29 min 03 s
